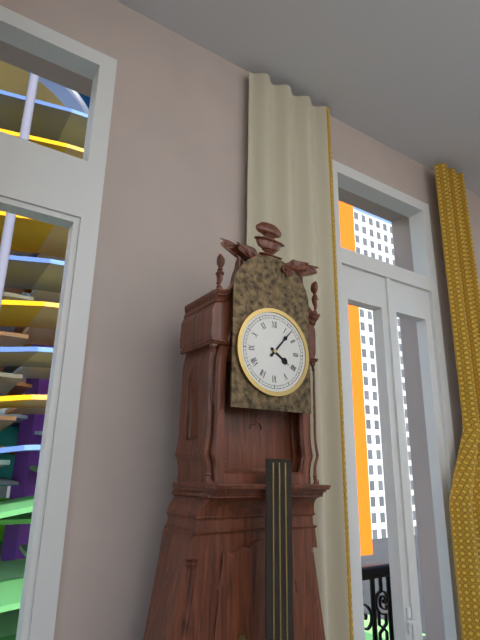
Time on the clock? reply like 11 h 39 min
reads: 4 h 07 min
